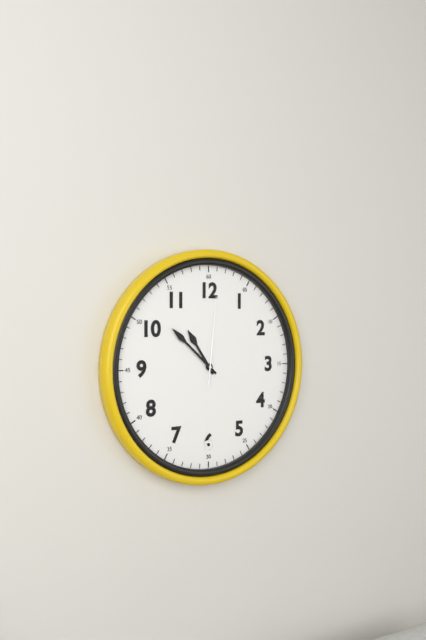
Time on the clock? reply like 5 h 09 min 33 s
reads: 10 h 52 min 01 s
